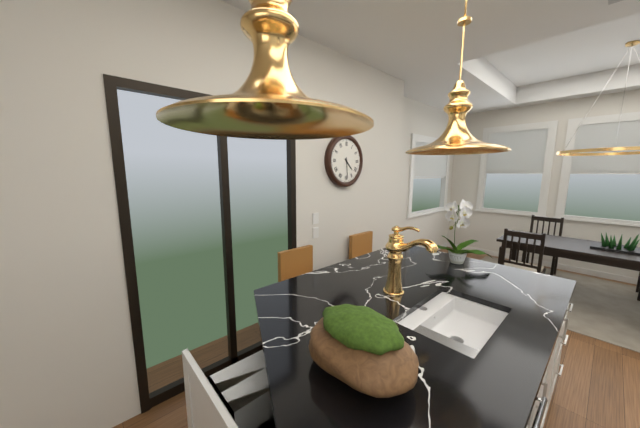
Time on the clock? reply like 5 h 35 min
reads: 4 h 29 min
